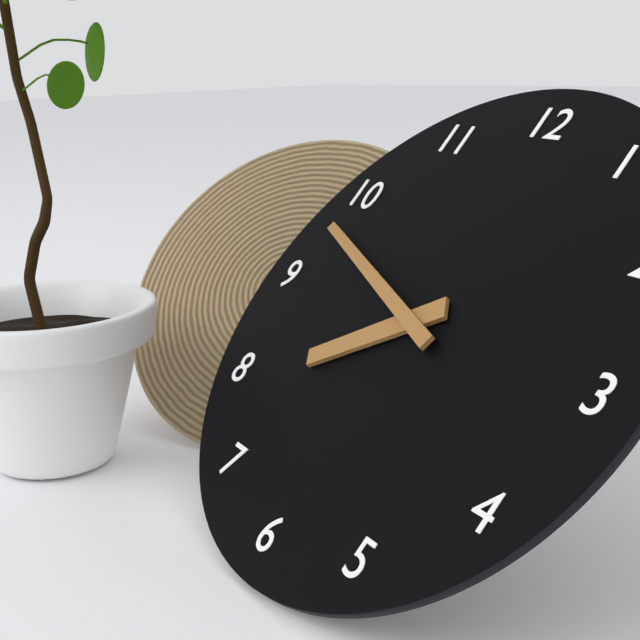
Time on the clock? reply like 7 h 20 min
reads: 7 h 48 min
